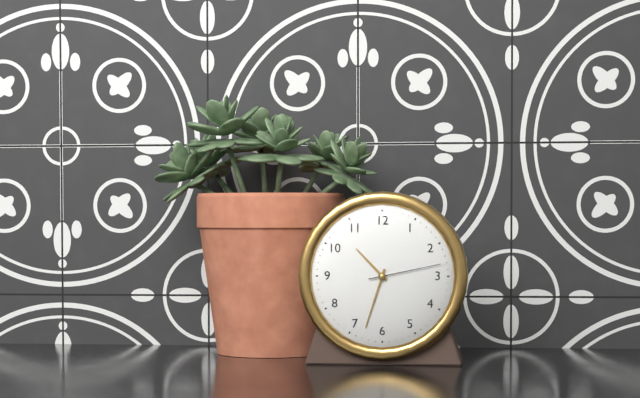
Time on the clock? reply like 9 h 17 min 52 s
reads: 10 h 33 min 13 s
